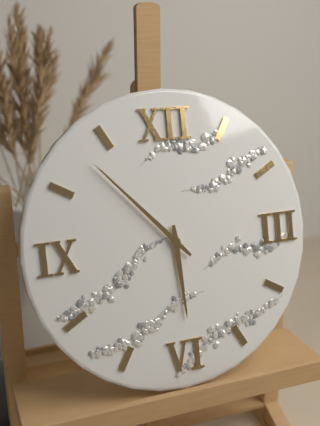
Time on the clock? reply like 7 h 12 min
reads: 5 h 53 min
